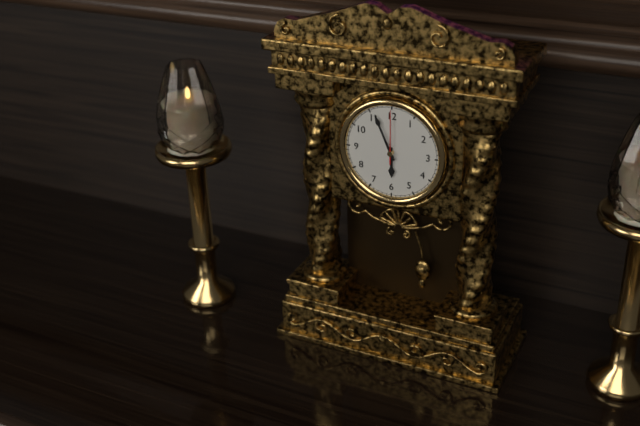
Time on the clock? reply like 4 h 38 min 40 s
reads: 5 h 56 min 00 s
